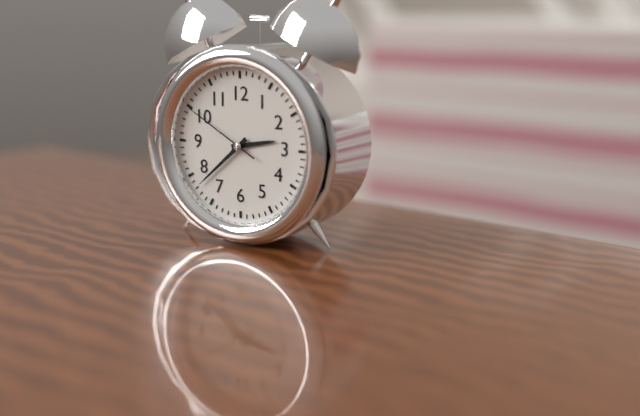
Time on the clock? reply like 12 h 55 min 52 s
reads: 2 h 38 min 50 s
